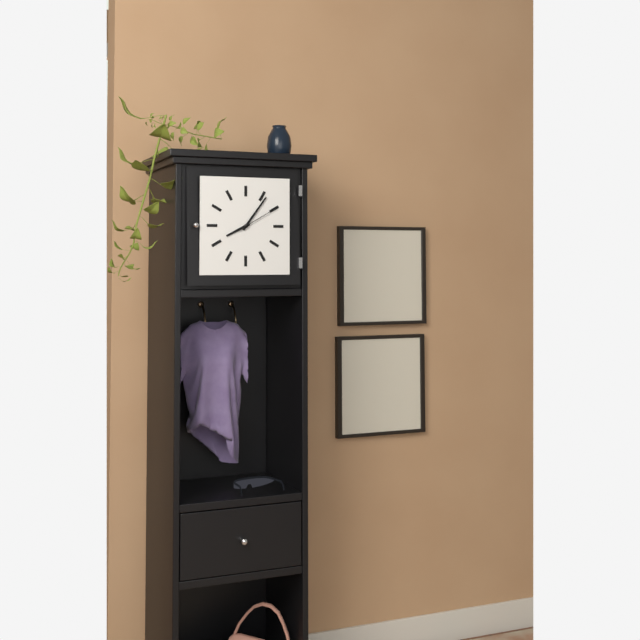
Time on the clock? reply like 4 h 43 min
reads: 8 h 06 min
